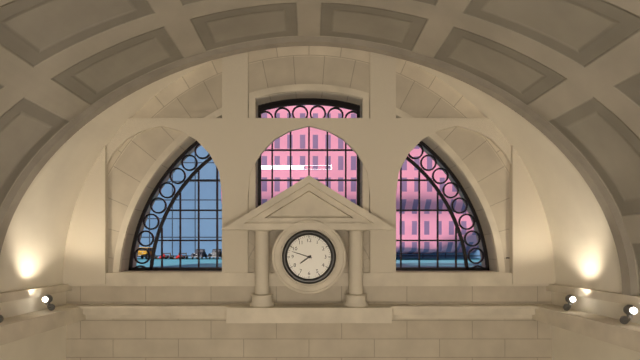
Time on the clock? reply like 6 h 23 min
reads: 7 h 48 min
